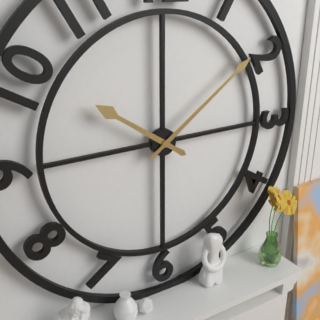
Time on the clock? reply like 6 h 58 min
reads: 10 h 09 min
